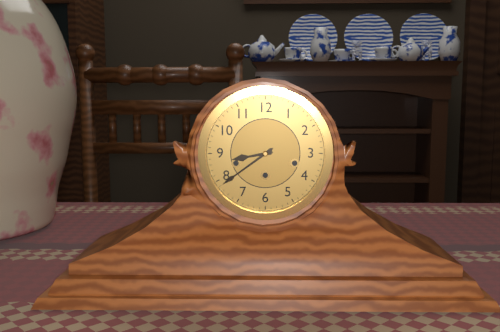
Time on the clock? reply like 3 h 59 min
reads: 8 h 39 min
